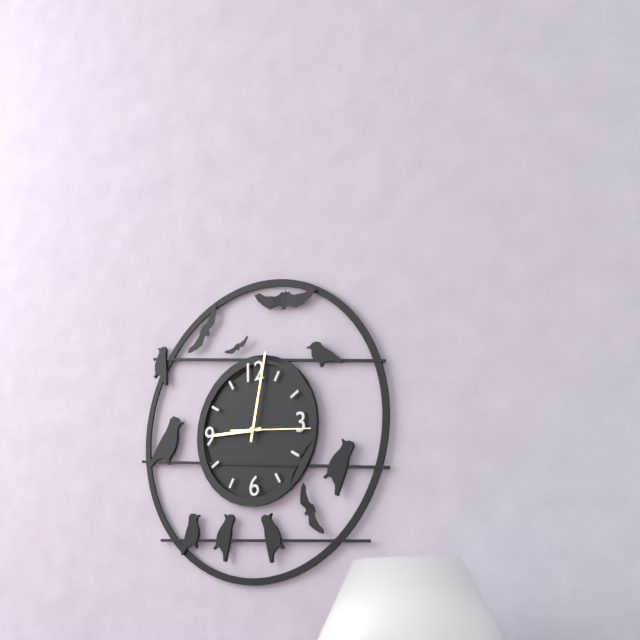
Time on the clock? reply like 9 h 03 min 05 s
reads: 9 h 02 min 16 s
